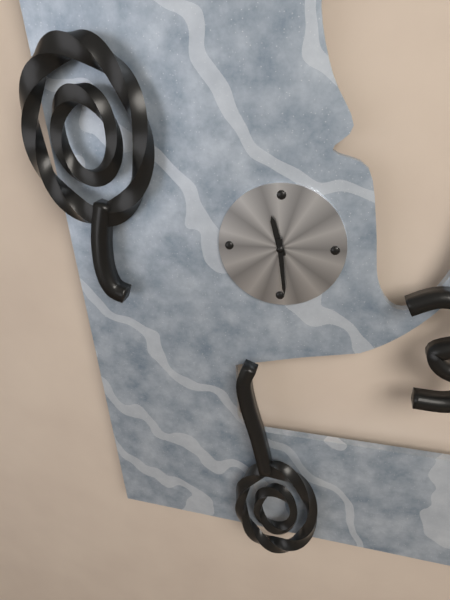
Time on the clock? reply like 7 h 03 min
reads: 11 h 29 min
